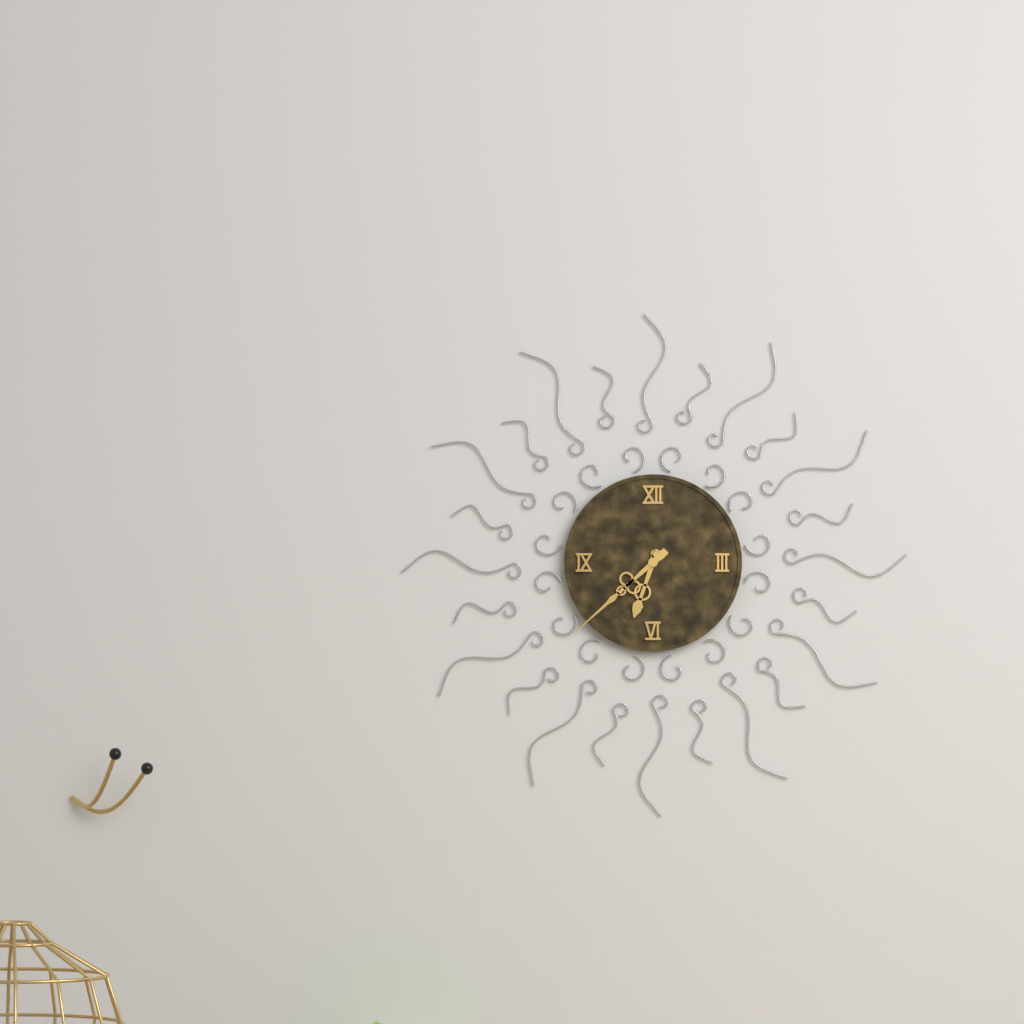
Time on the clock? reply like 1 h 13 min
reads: 6 h 38 min
